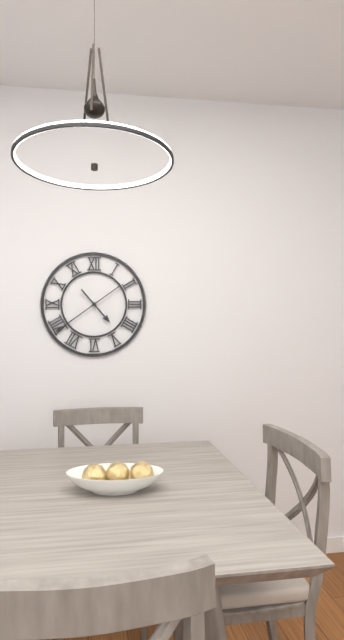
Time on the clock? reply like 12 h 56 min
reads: 4 h 39 min
